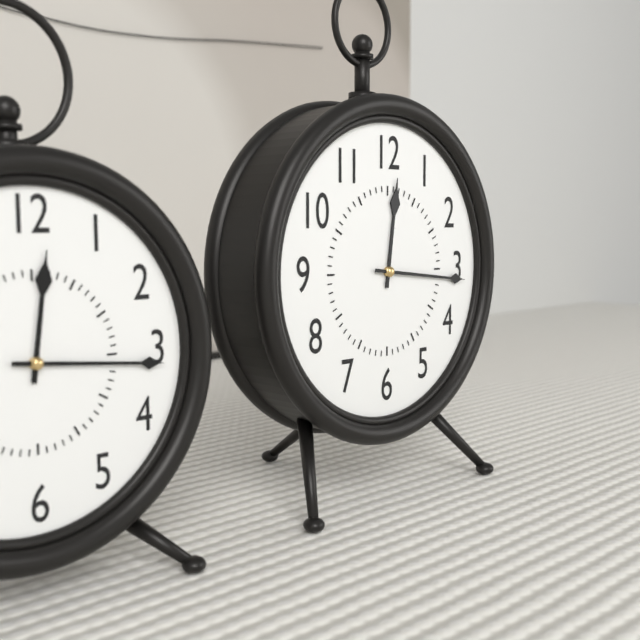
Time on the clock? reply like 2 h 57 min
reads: 12 h 16 min
